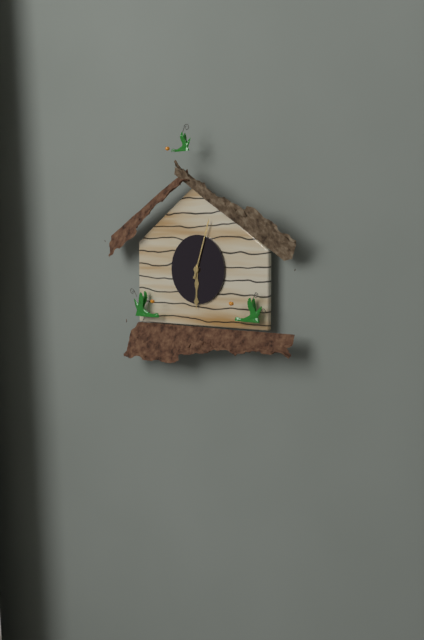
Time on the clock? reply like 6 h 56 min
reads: 6 h 03 min
